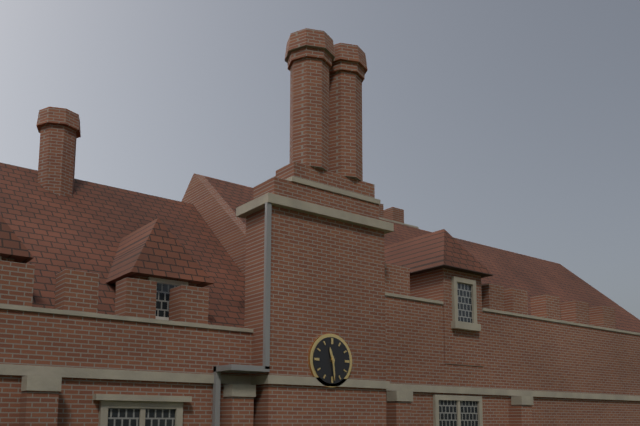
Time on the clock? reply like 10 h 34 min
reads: 11 h 29 min
